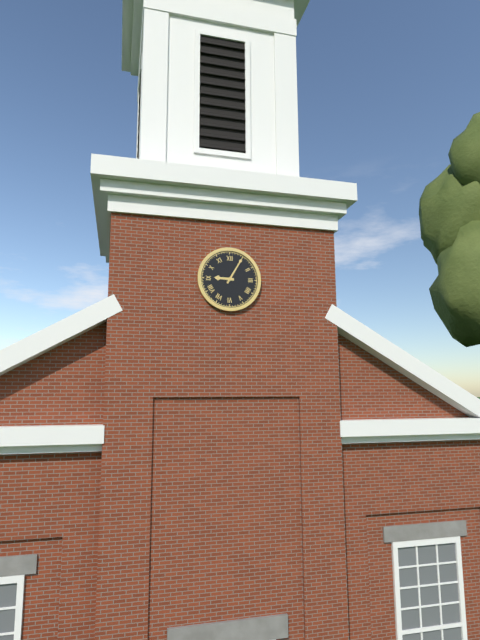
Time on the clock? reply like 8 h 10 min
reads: 9 h 05 min
